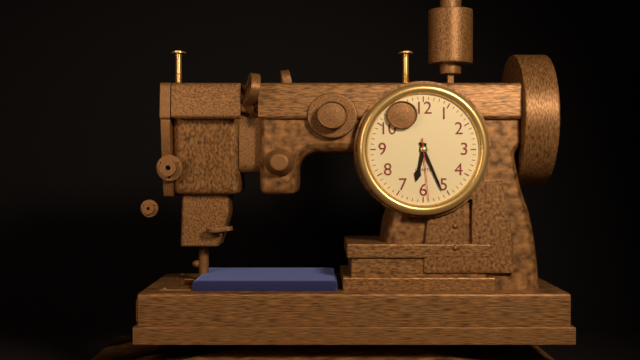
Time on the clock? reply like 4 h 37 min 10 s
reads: 6 h 26 min 29 s
